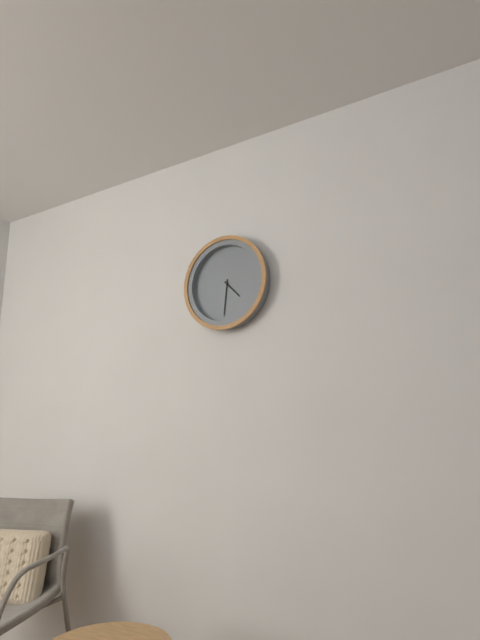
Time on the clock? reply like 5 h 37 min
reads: 4 h 31 min
